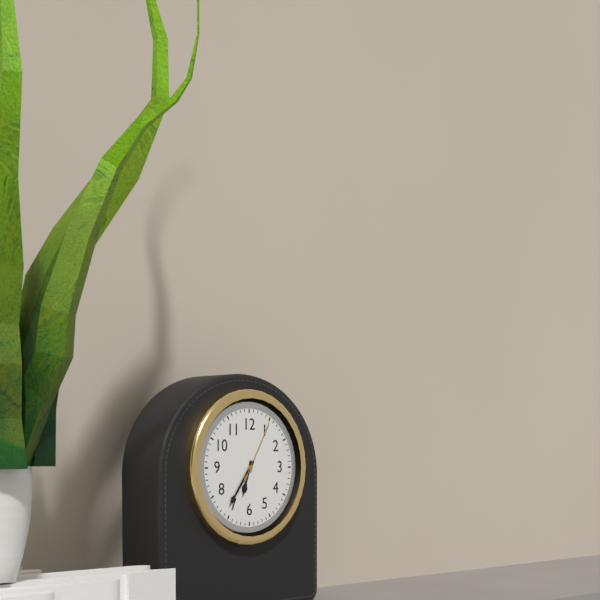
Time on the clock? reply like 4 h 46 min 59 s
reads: 6 h 36 min 05 s
